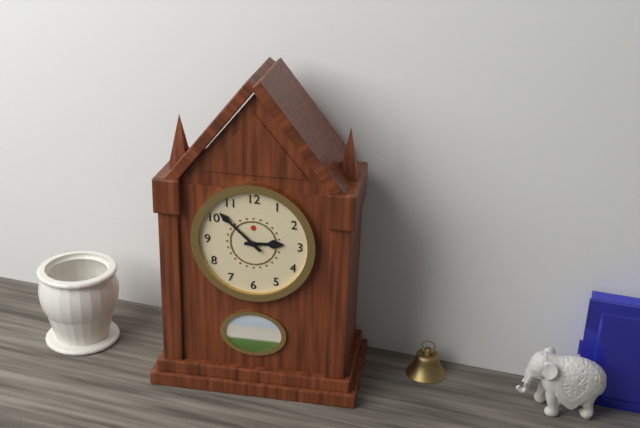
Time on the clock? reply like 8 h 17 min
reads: 2 h 52 min
